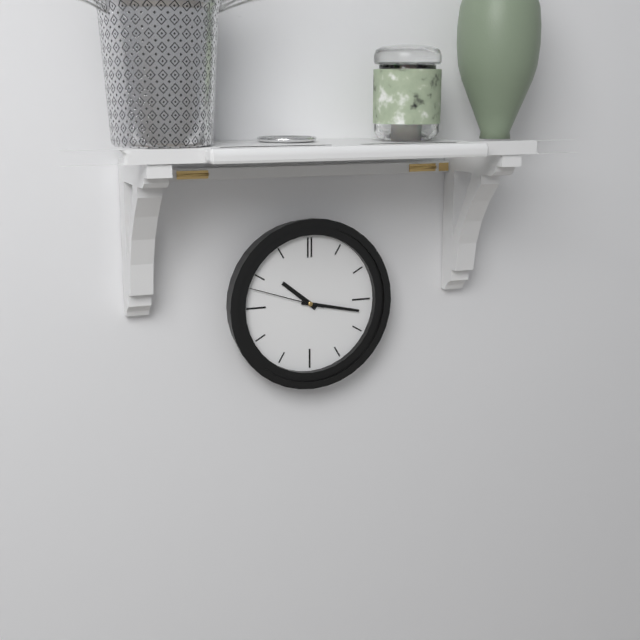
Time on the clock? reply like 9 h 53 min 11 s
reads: 10 h 17 min 48 s
